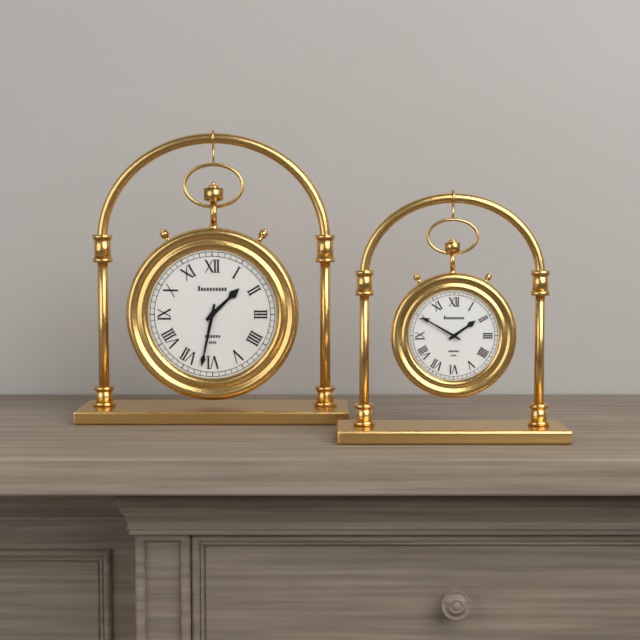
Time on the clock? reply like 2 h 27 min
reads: 1 h 32 min
